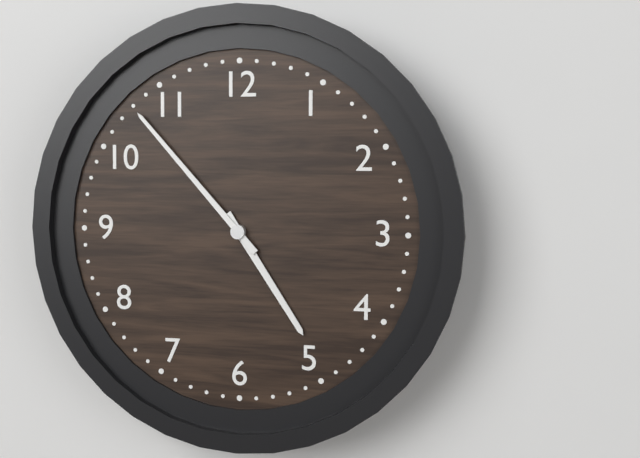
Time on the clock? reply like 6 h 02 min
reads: 4 h 53 min
